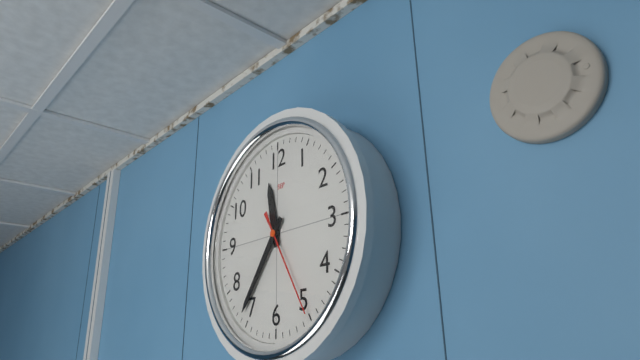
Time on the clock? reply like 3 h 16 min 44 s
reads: 11 h 36 min 25 s
